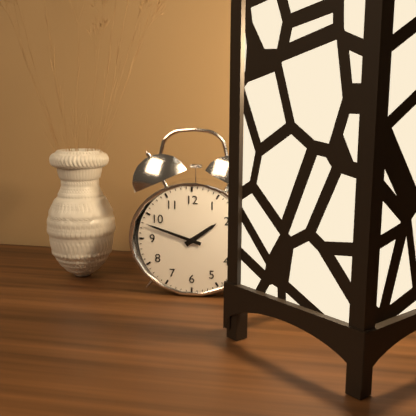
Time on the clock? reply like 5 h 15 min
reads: 1 h 48 min
